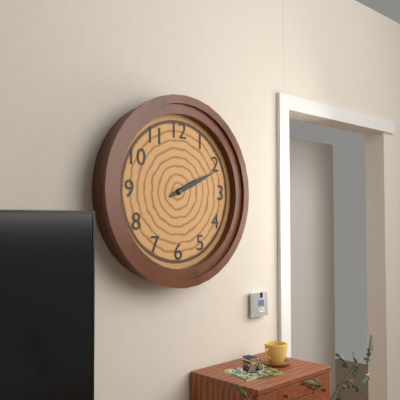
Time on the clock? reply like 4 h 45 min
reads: 2 h 11 min
